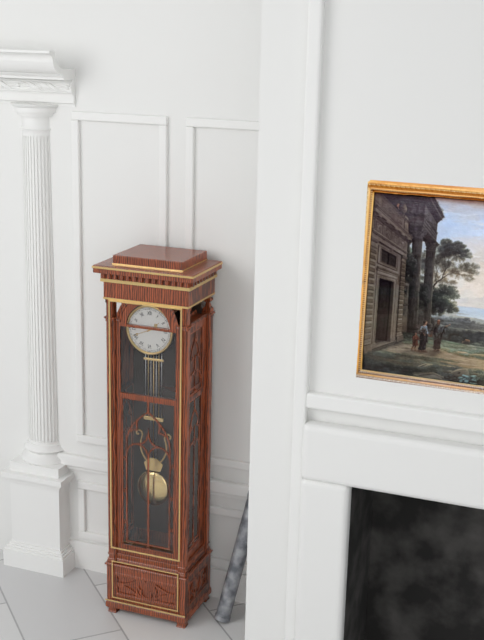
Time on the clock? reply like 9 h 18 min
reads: 1 h 41 min
